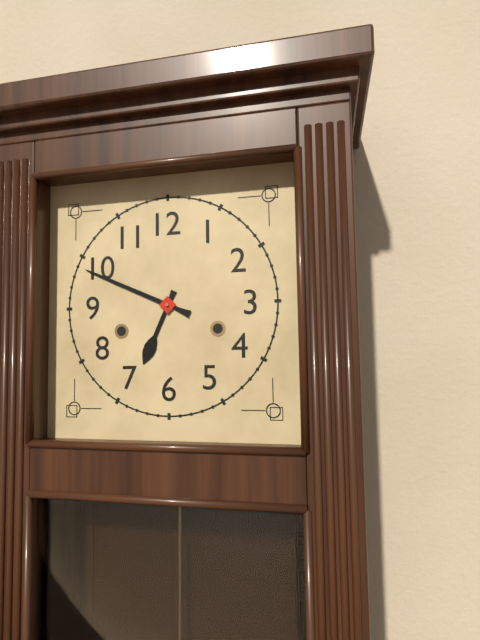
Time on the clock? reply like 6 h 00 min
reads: 6 h 49 min
